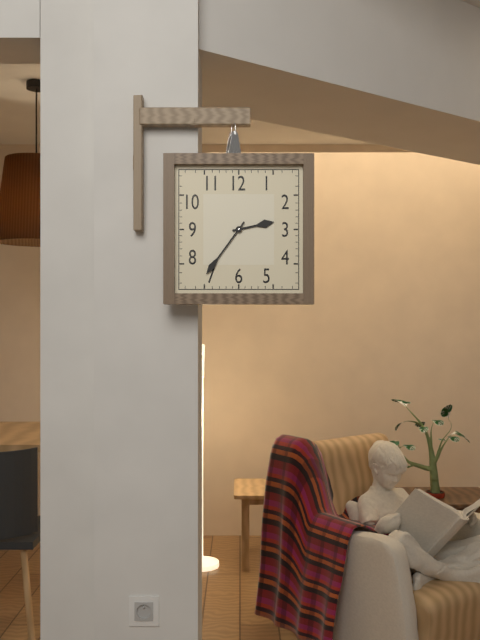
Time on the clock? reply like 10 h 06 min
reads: 2 h 36 min
